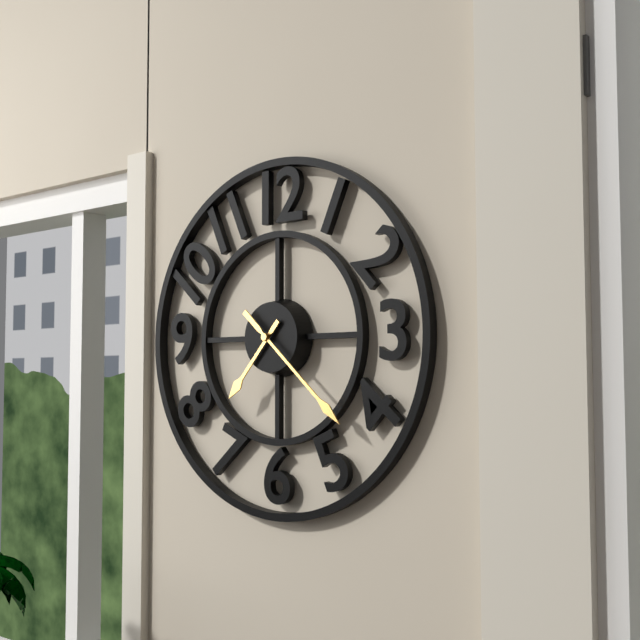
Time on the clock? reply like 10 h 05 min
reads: 7 h 22 min
